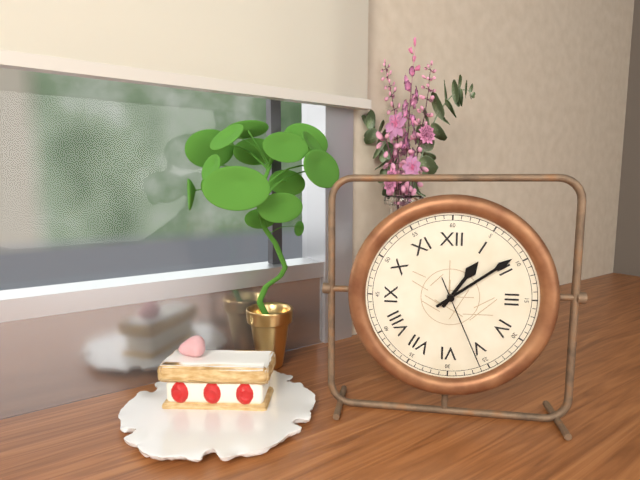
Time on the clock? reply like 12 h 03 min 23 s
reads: 1 h 09 min 26 s
